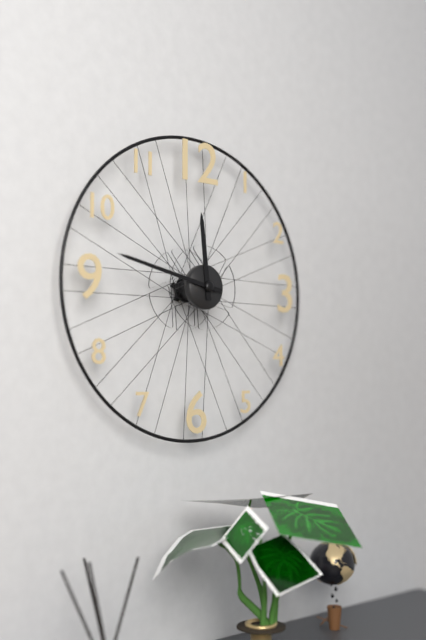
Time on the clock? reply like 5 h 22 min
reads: 11 h 47 min
